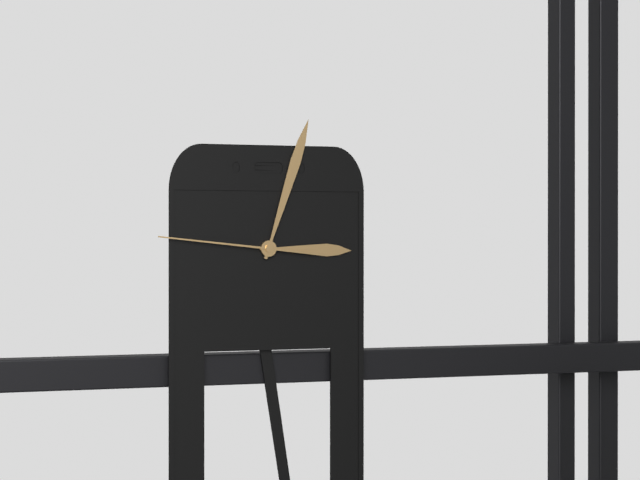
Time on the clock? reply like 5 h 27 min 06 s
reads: 3 h 03 min 46 s
